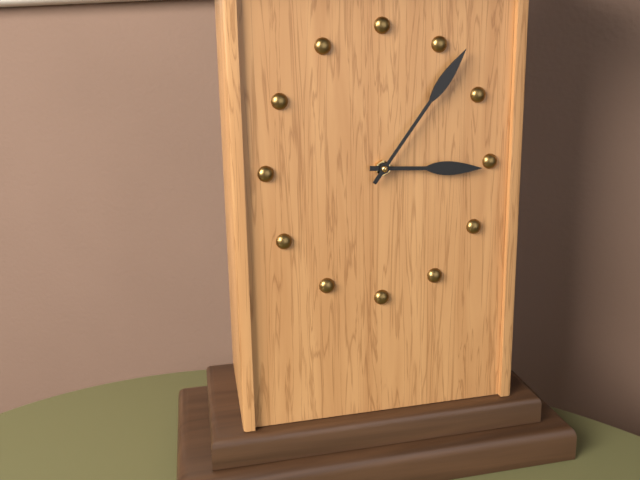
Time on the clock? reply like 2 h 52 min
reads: 3 h 06 min
